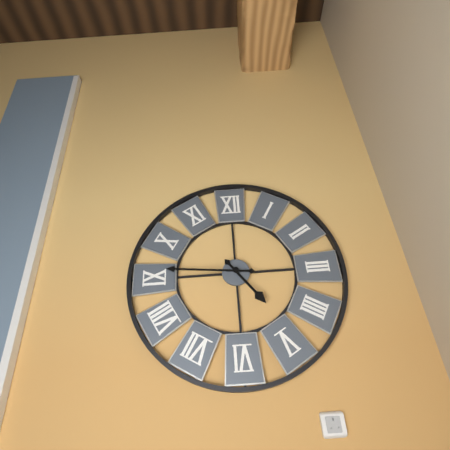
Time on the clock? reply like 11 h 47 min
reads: 4 h 46 min
